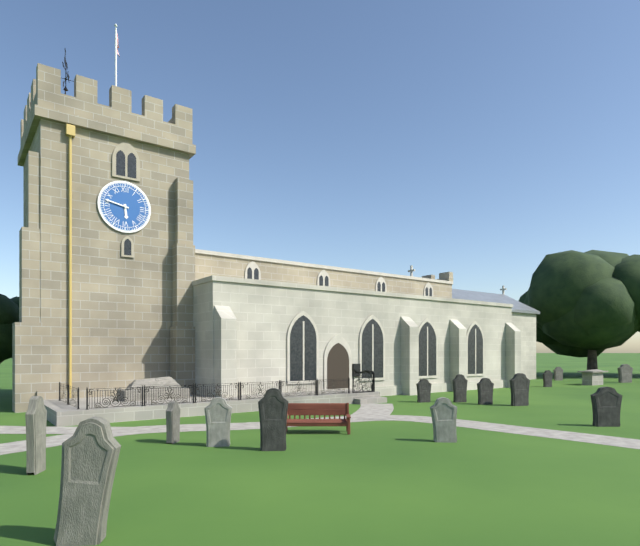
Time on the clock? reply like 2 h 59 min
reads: 5 h 47 min
